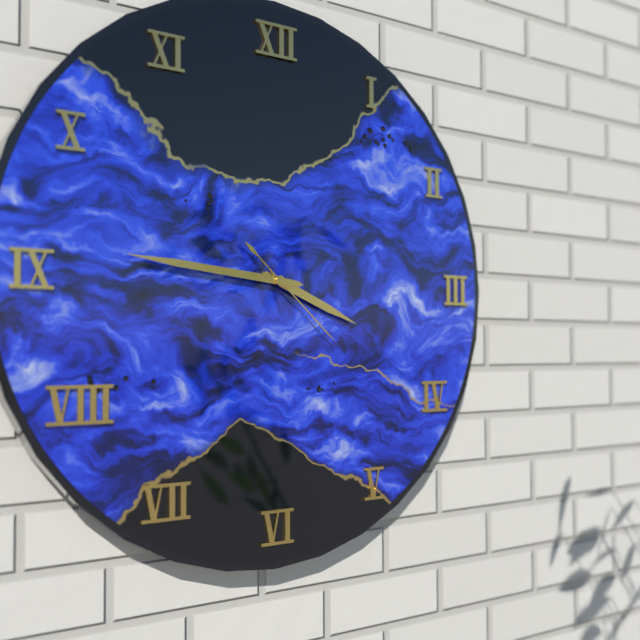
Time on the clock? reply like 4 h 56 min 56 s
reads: 3 h 46 min 22 s
